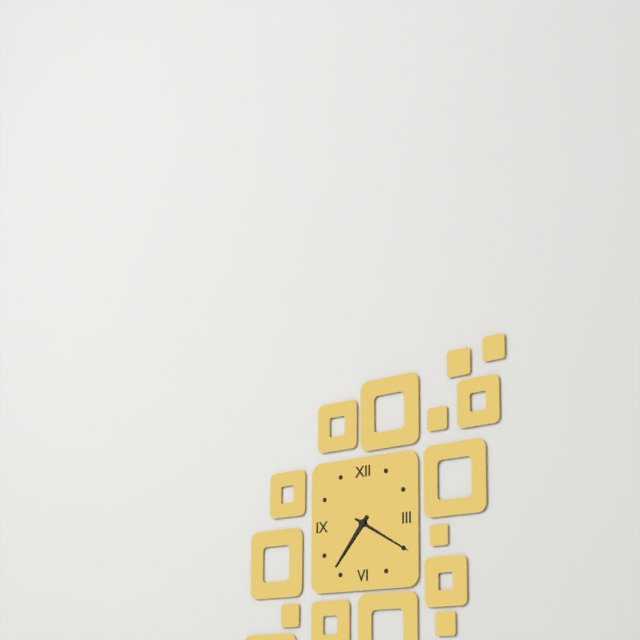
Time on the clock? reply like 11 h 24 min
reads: 7 h 20 min
